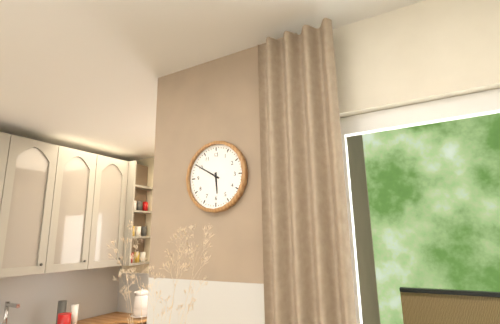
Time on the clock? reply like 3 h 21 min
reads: 5 h 50 min
